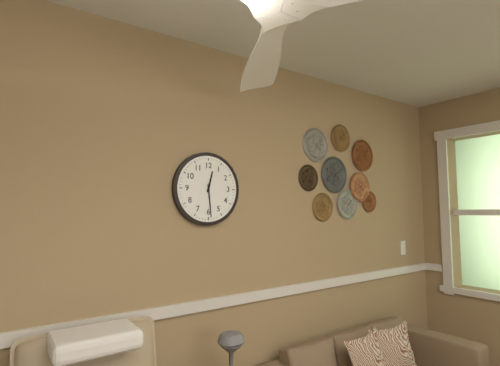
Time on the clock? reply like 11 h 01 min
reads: 12 h 29 min
